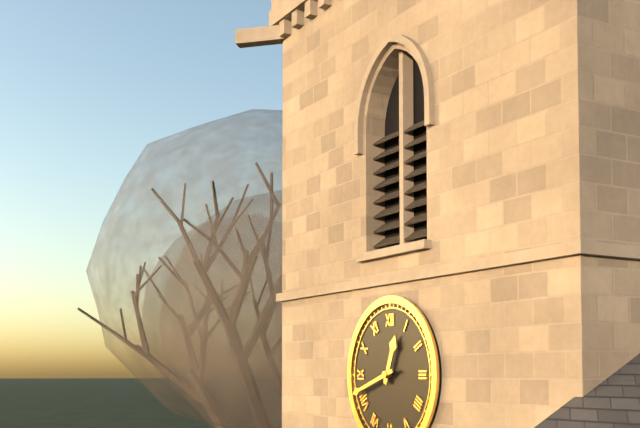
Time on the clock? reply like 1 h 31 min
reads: 12 h 42 min
